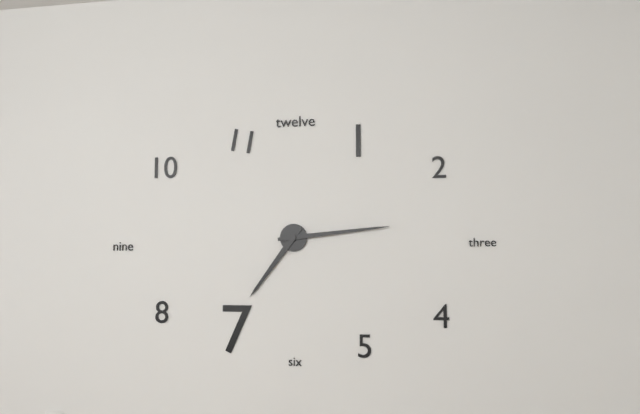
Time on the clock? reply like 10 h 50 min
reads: 7 h 14 min
